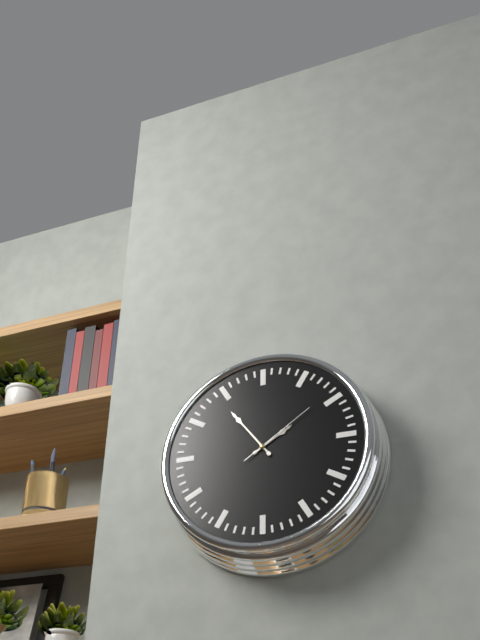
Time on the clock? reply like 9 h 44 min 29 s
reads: 1 h 54 min 09 s
